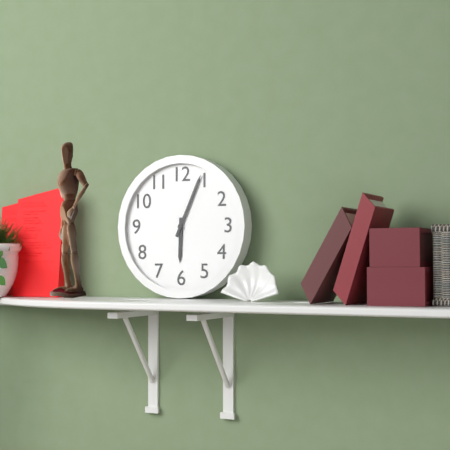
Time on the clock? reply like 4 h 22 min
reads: 6 h 04 min
